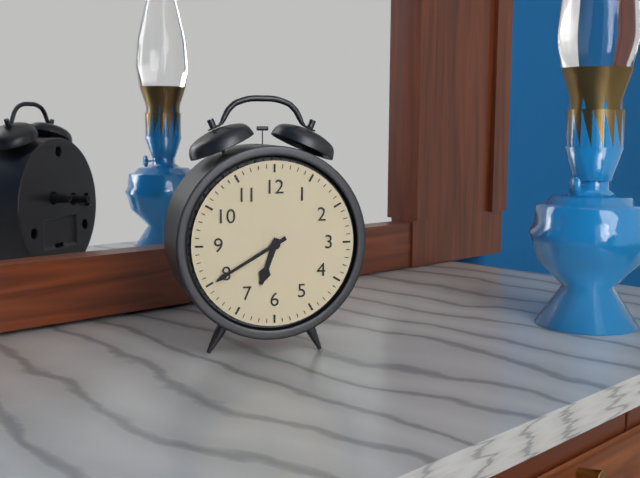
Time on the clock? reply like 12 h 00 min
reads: 6 h 40 min
